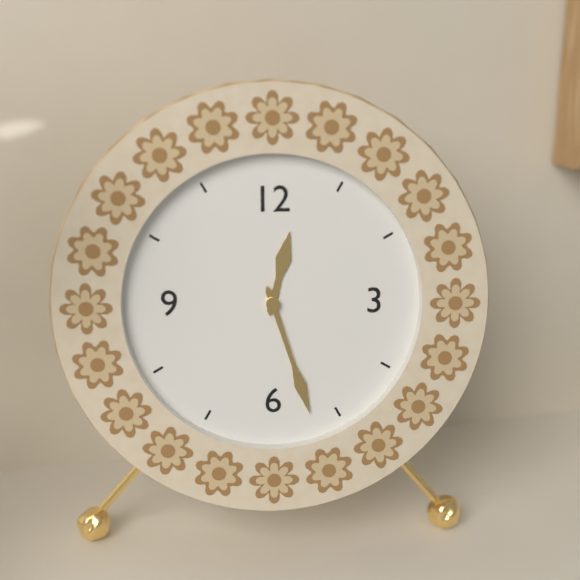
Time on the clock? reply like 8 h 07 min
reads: 12 h 27 min
